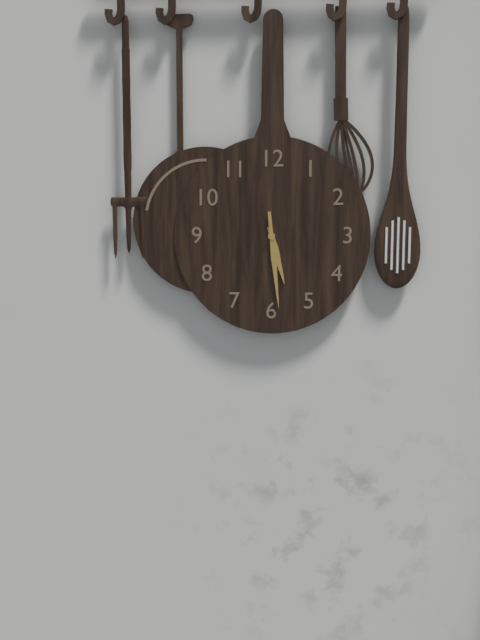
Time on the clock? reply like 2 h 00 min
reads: 5 h 29 min
